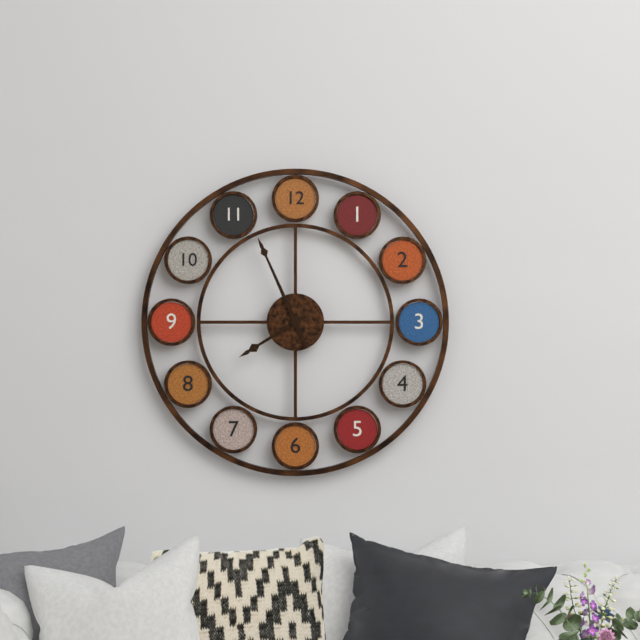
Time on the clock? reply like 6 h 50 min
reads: 7 h 56 min
